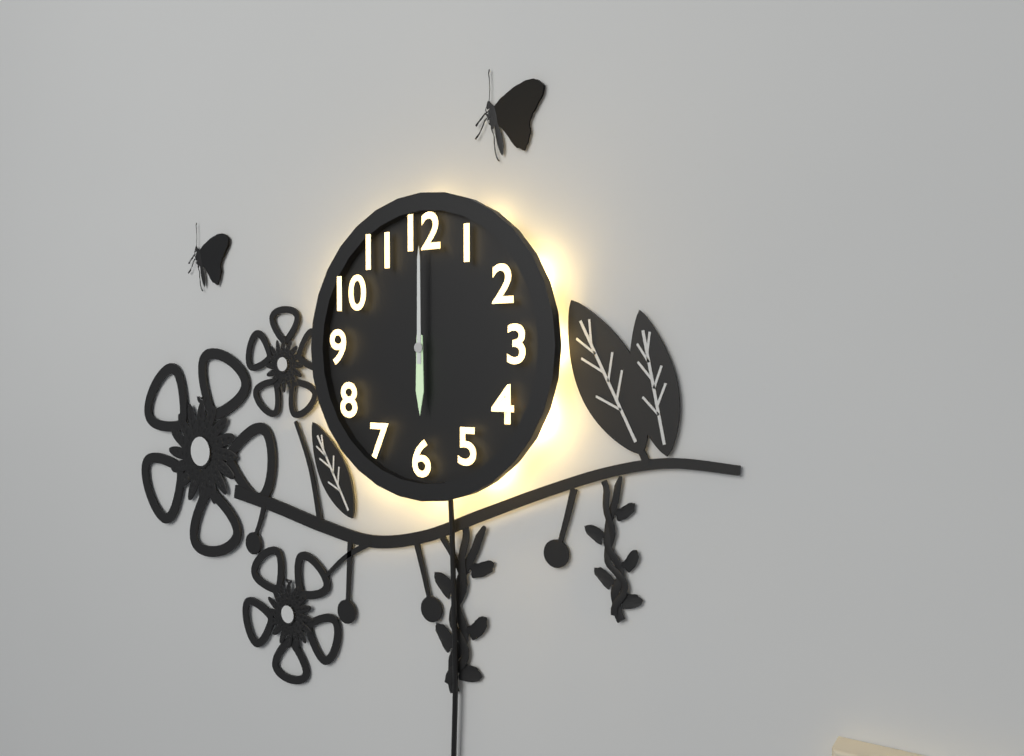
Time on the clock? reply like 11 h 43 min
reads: 6 h 00 min
